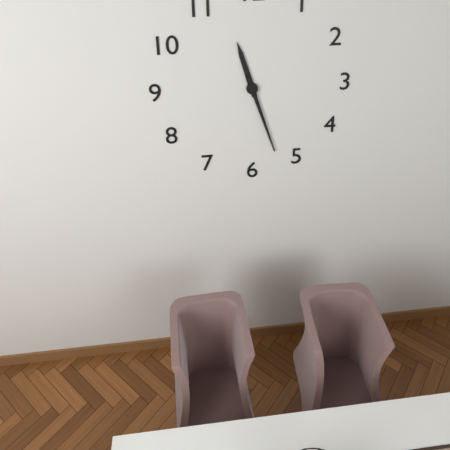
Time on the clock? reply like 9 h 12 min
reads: 11 h 27 min
